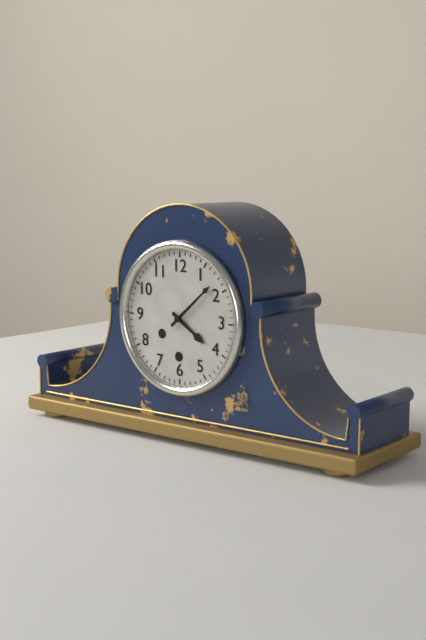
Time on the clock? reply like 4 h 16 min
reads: 4 h 08 min
